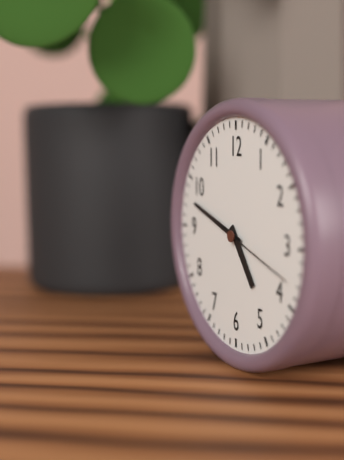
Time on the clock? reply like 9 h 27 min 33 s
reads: 4 h 48 min 18 s
